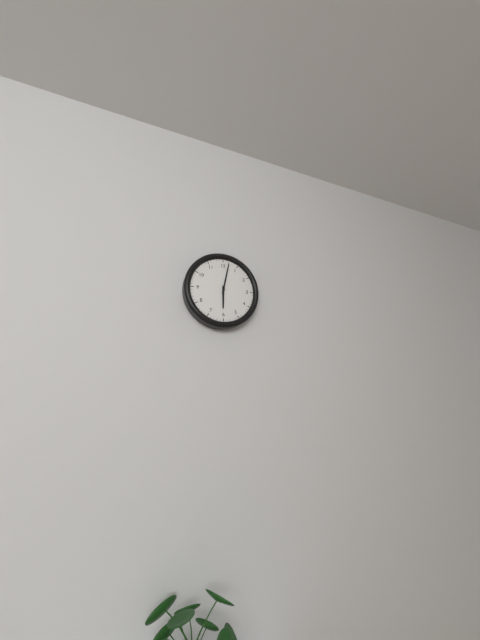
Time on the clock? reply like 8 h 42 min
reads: 6 h 02 min
